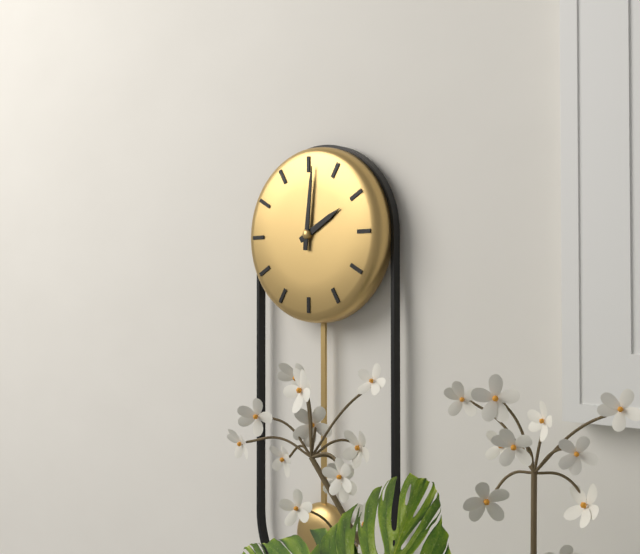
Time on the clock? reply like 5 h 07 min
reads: 2 h 01 min
